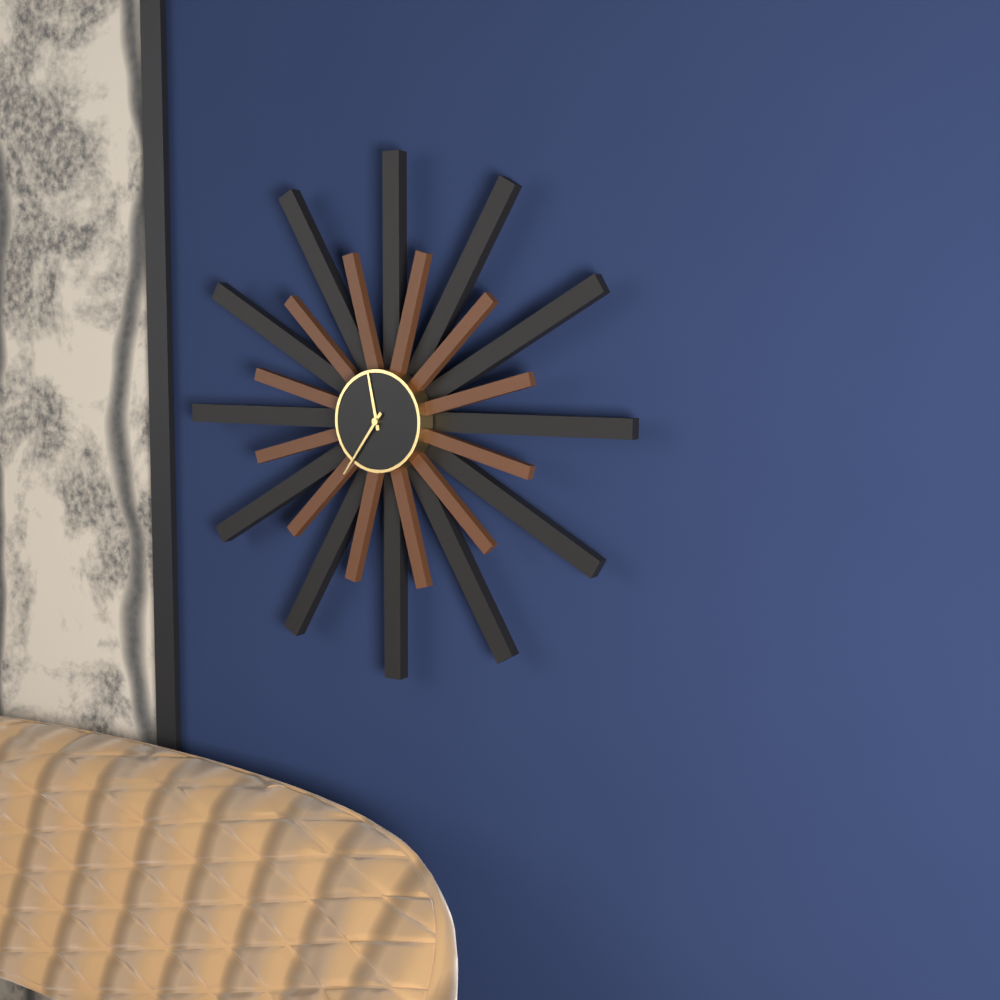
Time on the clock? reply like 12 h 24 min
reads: 11 h 36 min
